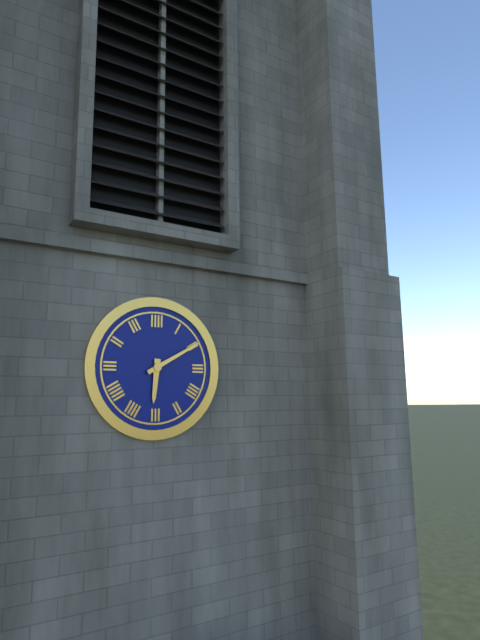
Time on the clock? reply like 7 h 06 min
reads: 6 h 10 min
